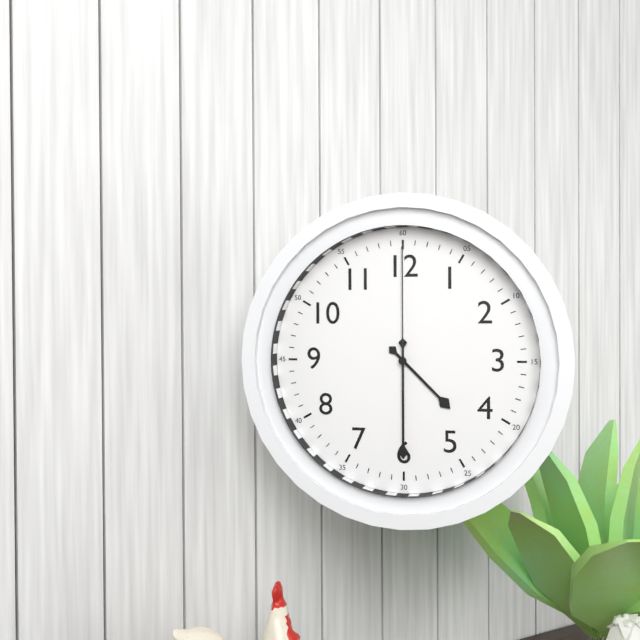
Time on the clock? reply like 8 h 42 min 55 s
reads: 4 h 30 min 00 s
